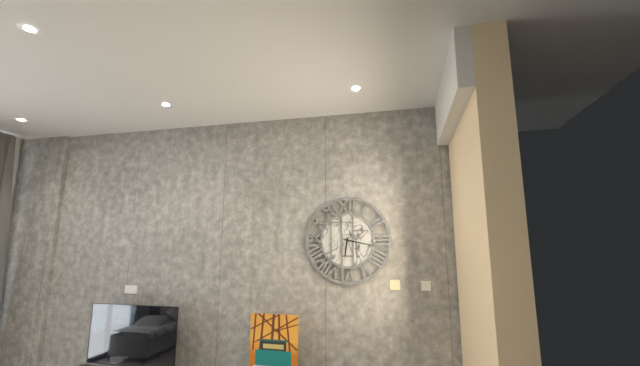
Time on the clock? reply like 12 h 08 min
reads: 6 h 17 min
